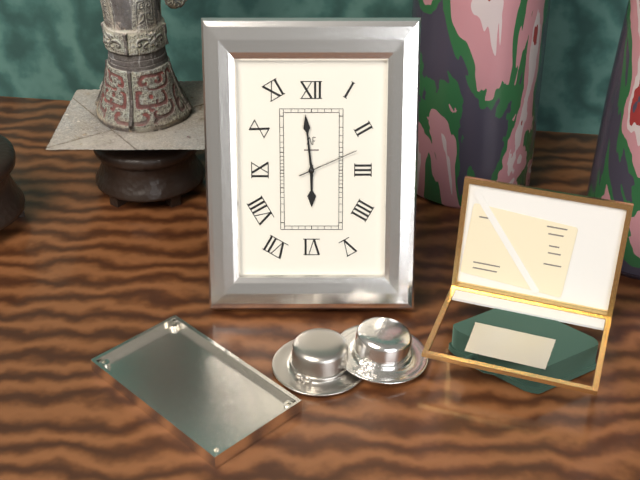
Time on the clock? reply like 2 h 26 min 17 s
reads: 5 h 59 min 11 s
